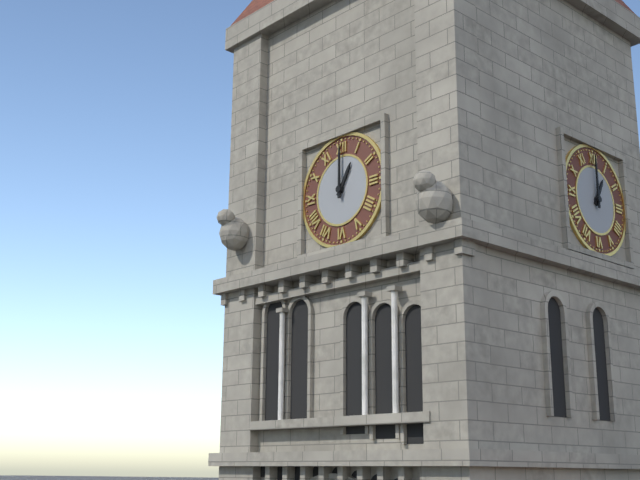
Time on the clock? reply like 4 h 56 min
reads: 1 h 00 min
